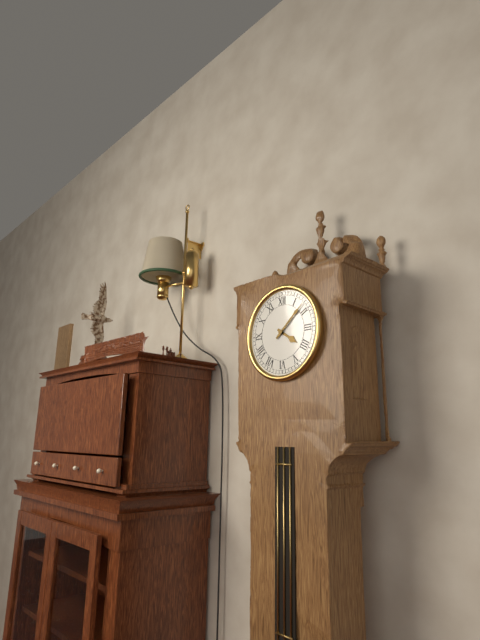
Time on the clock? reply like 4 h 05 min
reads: 4 h 08 min
